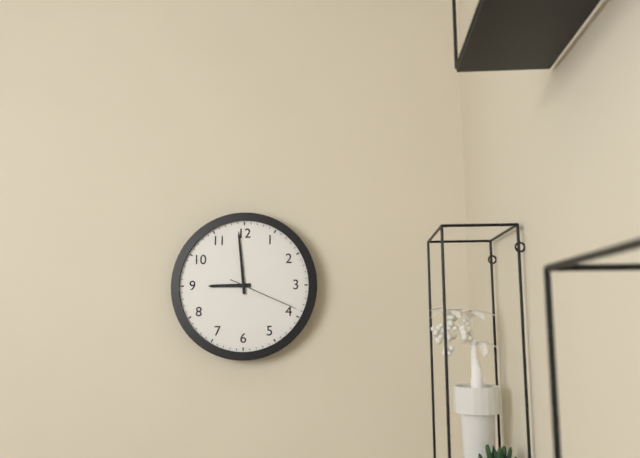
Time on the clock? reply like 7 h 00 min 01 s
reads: 8 h 59 min 19 s
